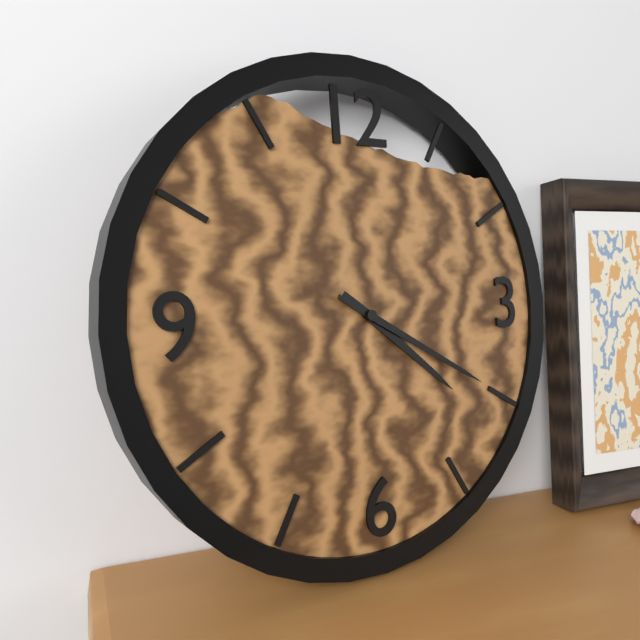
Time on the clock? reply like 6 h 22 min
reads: 4 h 20 min
